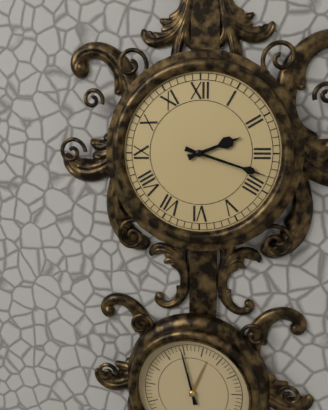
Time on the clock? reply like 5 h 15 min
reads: 2 h 18 min
